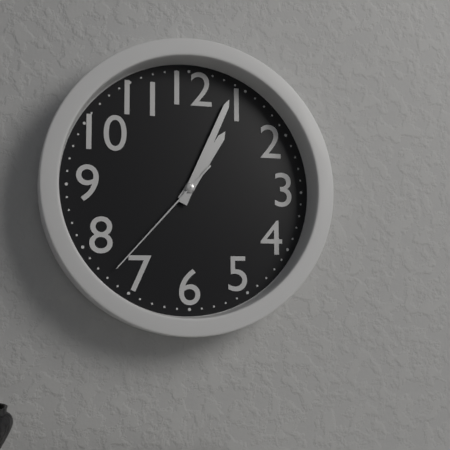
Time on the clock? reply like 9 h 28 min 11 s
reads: 1 h 04 min 37 s
